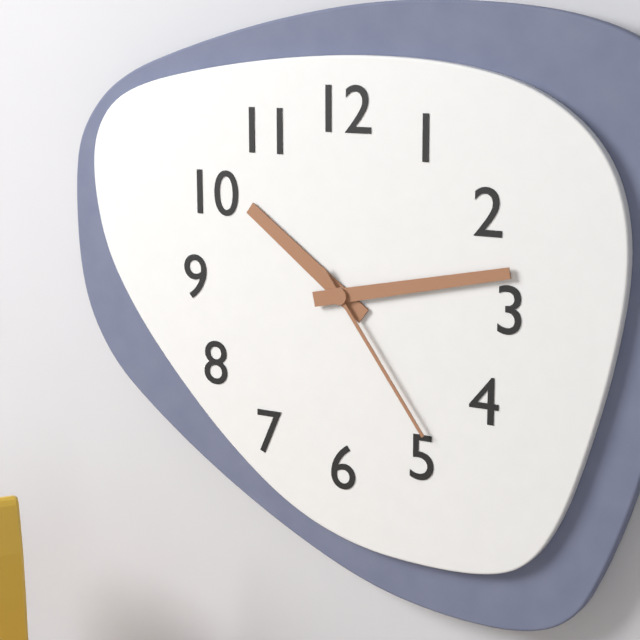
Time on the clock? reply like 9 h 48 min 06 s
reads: 10 h 13 min 24 s
